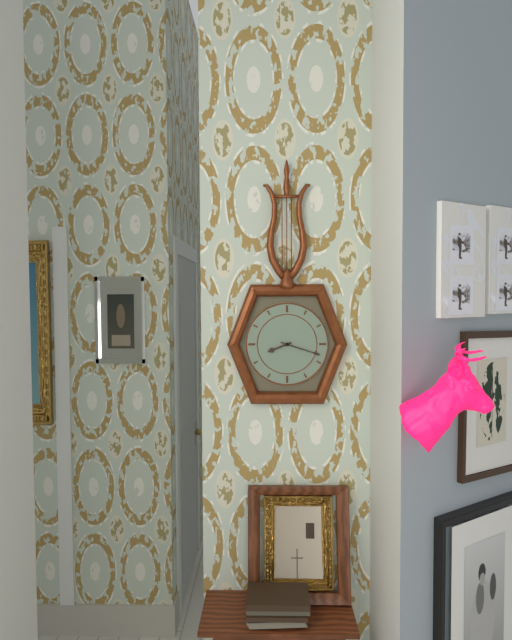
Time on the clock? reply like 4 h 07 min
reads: 8 h 18 min
